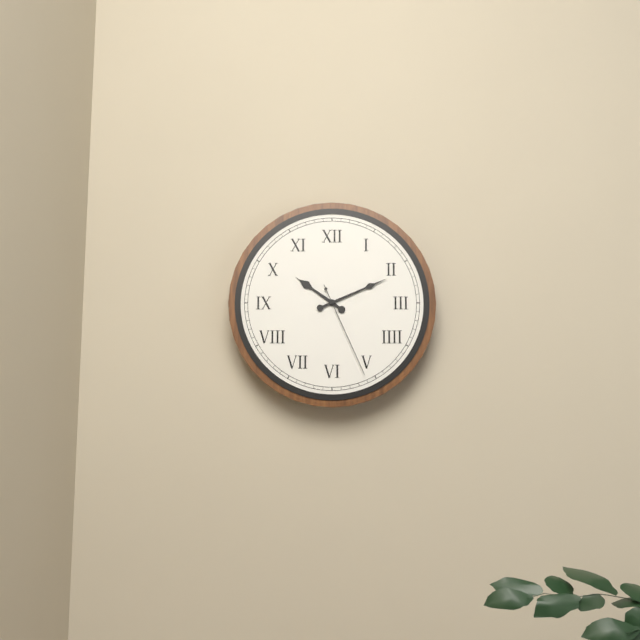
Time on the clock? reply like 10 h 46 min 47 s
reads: 10 h 11 min 26 s
